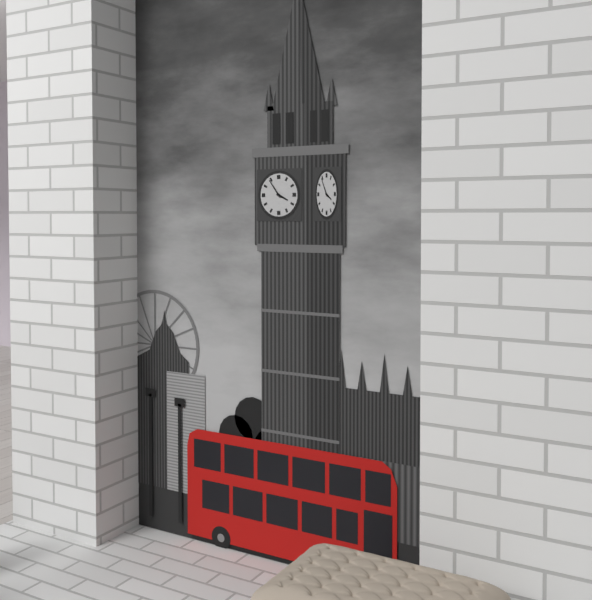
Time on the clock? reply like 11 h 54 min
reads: 3 h 54 min
